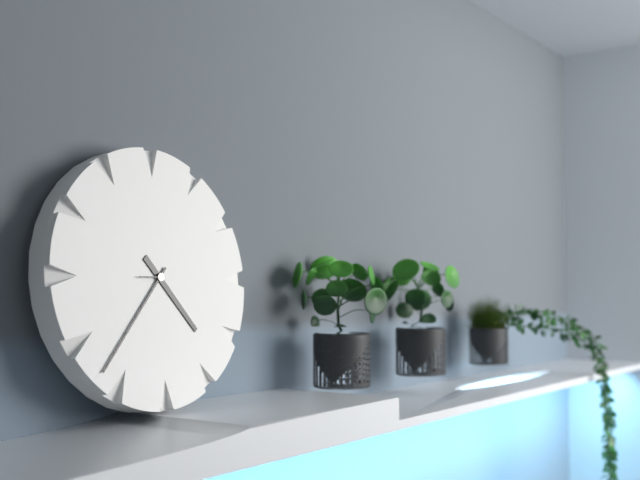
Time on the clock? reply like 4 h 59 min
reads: 4 h 37 min
